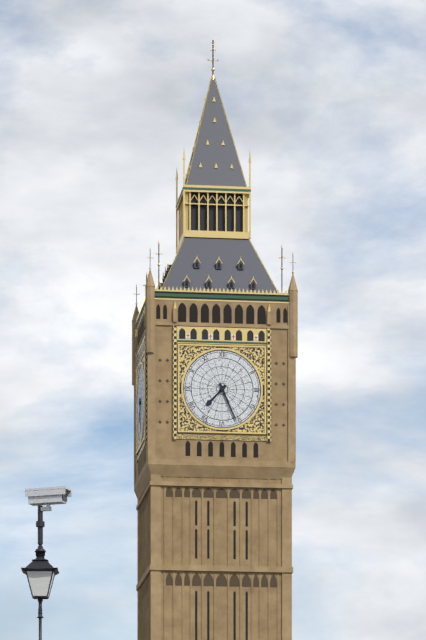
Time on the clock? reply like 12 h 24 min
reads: 7 h 26 min
